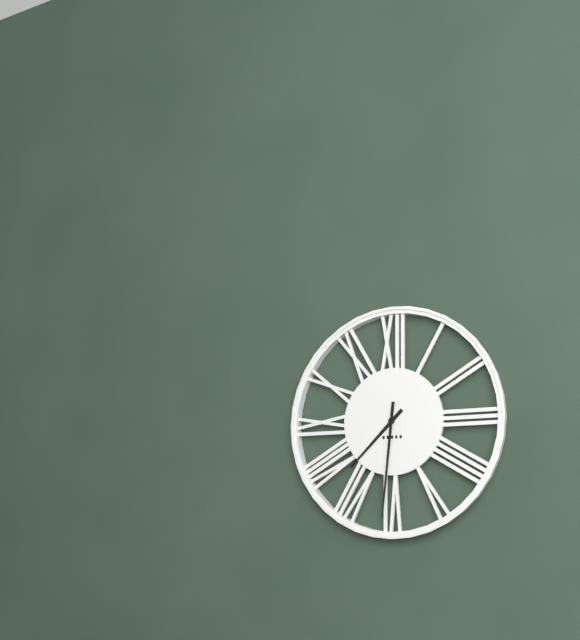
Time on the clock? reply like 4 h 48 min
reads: 7 h 31 min
